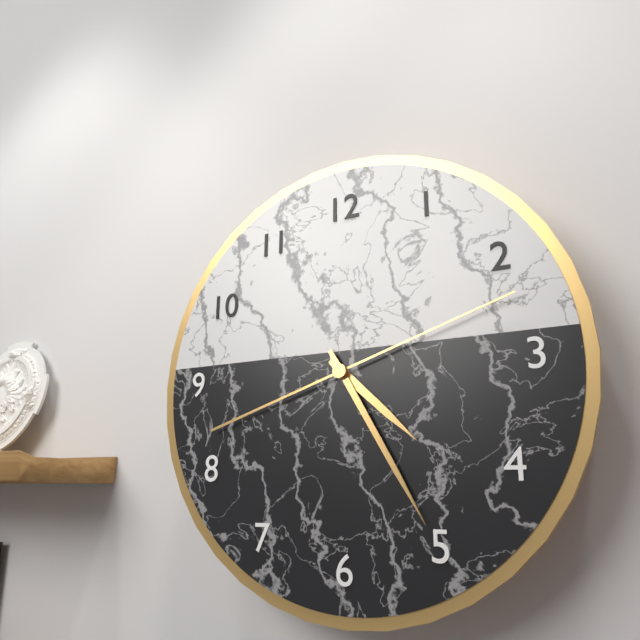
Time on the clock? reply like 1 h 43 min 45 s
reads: 4 h 25 min 12 s
